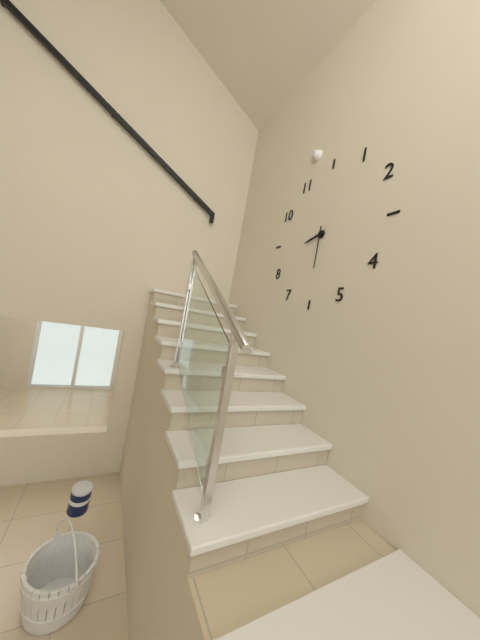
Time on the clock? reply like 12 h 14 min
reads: 8 h 30 min
